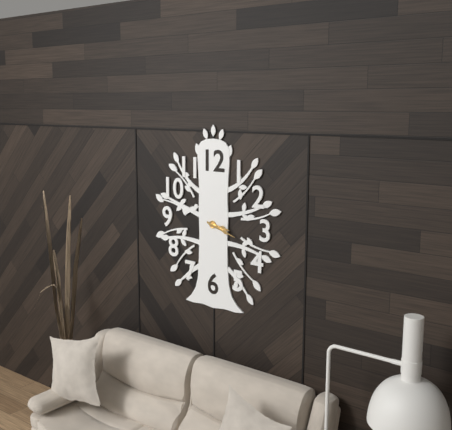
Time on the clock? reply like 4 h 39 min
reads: 3 h 18 min
